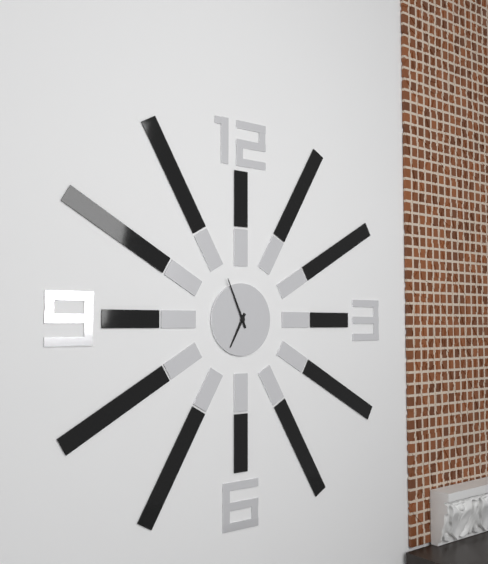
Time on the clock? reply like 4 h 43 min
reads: 6 h 56 min
